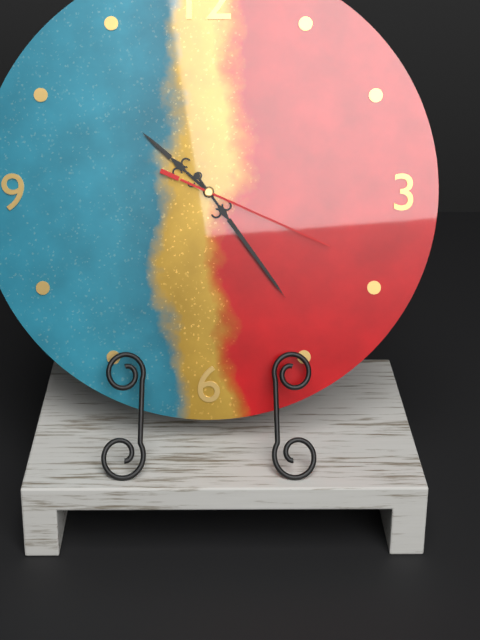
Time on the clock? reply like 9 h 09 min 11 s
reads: 10 h 24 min 19 s
